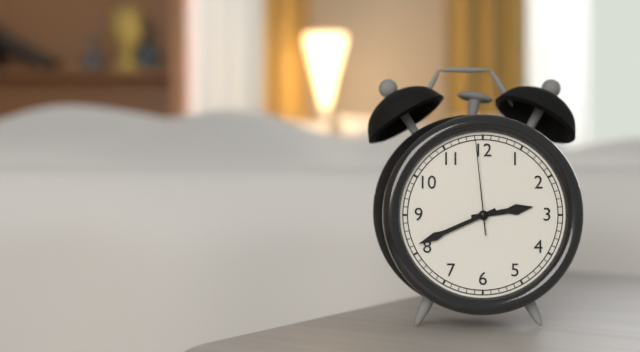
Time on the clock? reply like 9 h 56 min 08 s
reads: 2 h 41 min 59 s
